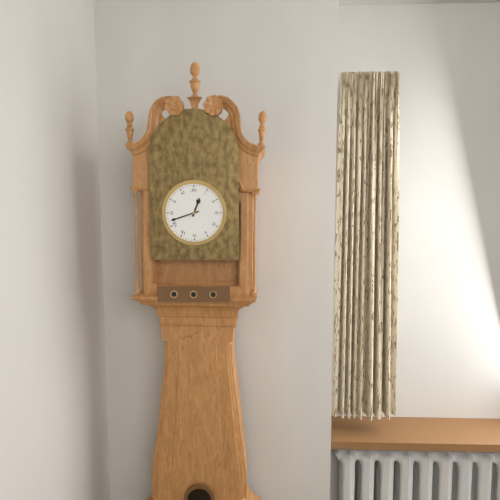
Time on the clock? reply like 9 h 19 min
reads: 12 h 42 min
